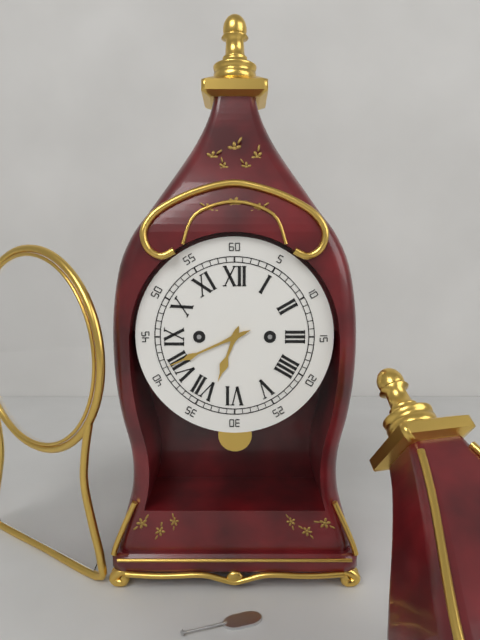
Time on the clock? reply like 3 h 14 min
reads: 6 h 41 min
